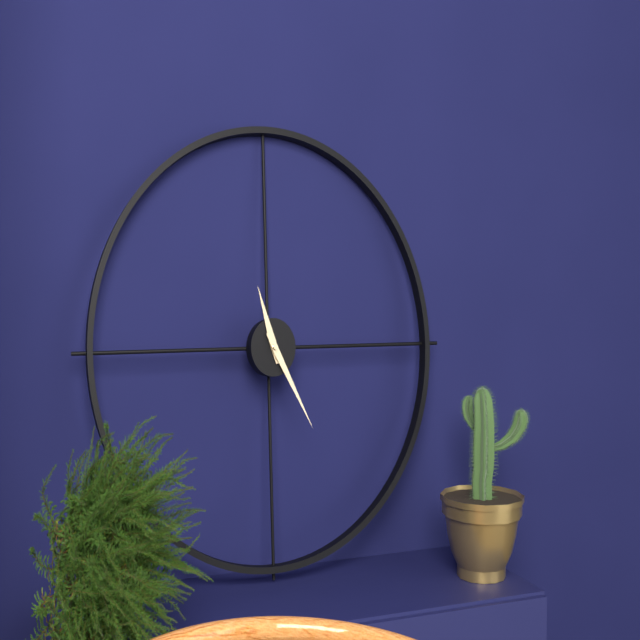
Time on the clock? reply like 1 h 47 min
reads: 11 h 25 min
